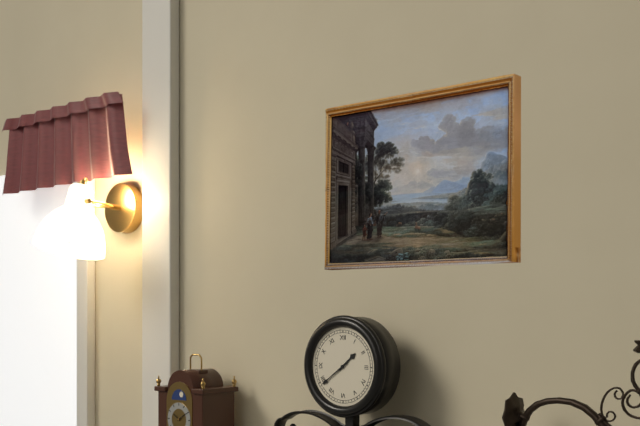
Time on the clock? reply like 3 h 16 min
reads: 1 h 39 min
